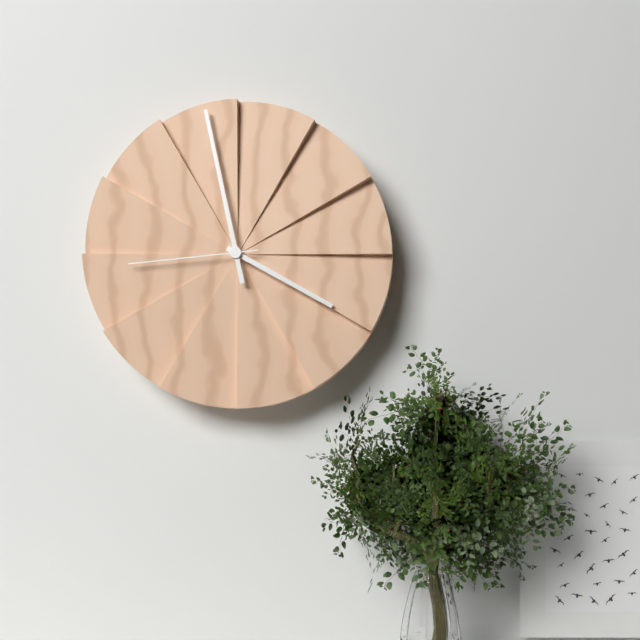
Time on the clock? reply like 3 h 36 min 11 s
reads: 3 h 58 min 44 s
